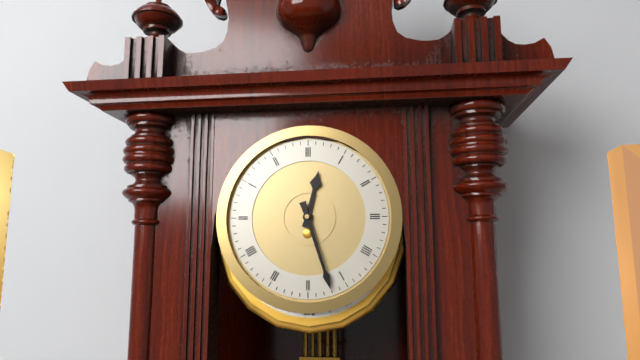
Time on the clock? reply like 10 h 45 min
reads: 12 h 27 min
